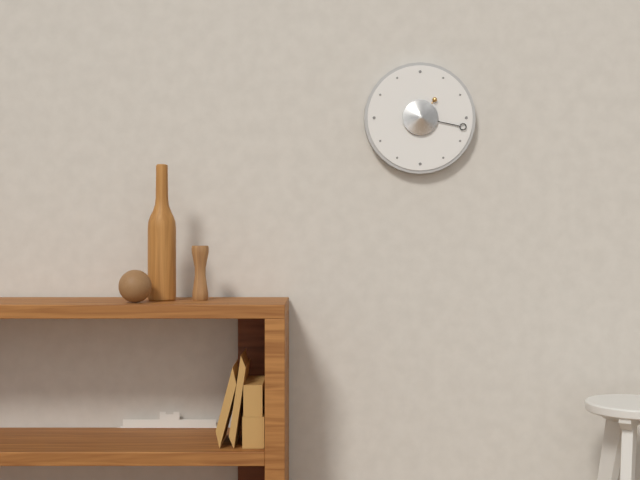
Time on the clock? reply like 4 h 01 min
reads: 1 h 17 min
